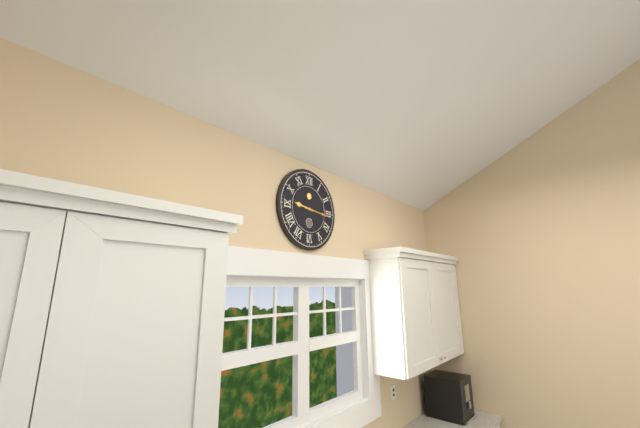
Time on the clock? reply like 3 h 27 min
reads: 9 h 16 min
